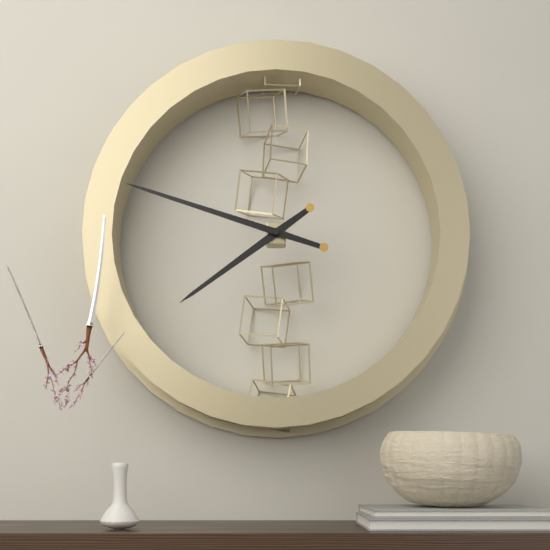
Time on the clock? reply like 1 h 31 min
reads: 7 h 48 min
